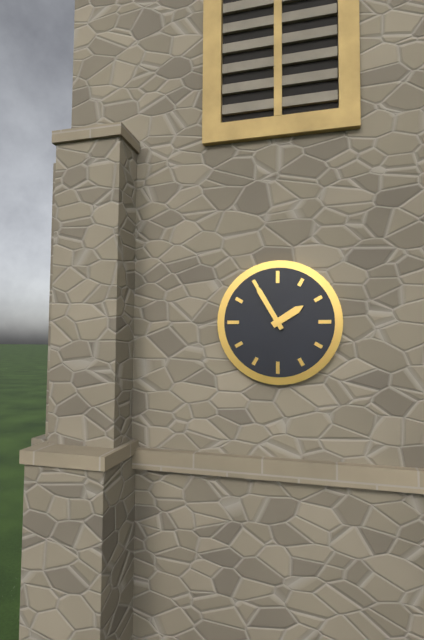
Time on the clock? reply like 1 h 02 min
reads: 1 h 55 min
